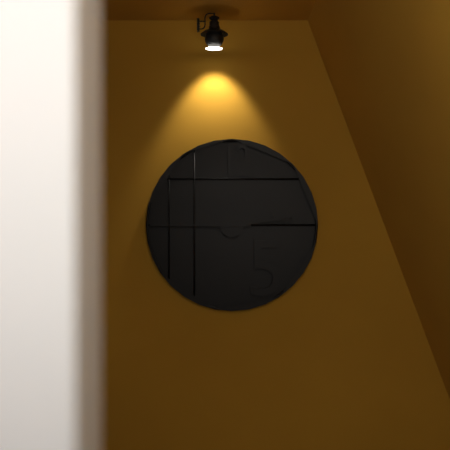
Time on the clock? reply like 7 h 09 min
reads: 2 h 45 min
